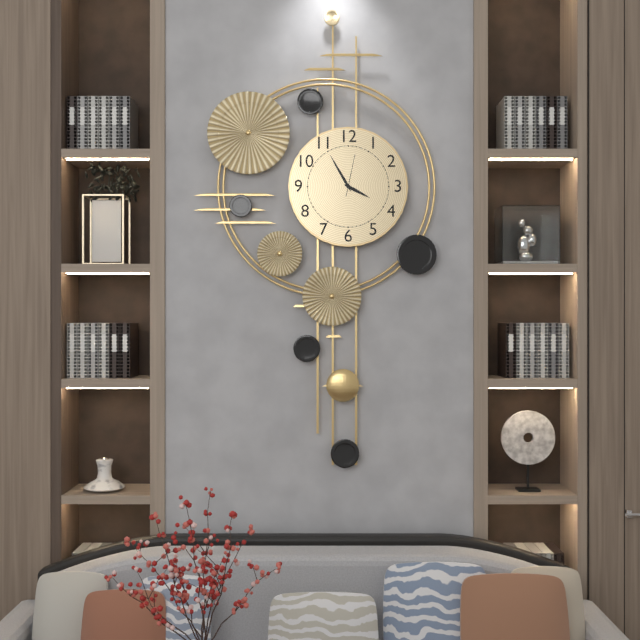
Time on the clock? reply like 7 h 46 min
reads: 3 h 55 min
